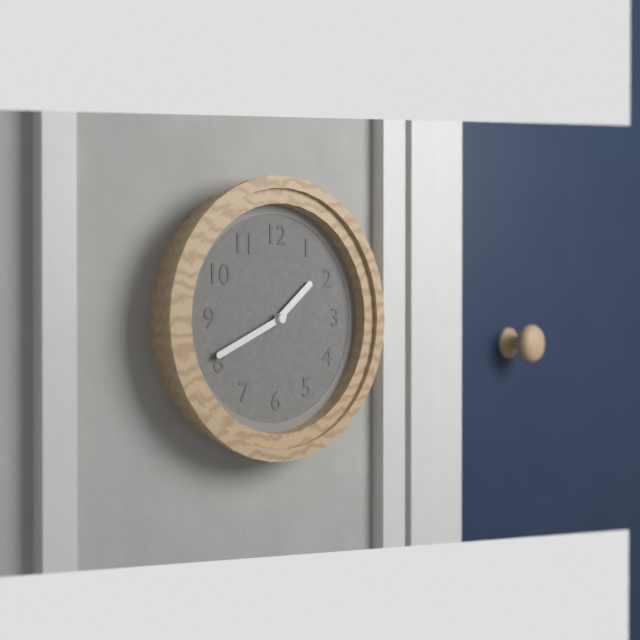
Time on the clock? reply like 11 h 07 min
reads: 1 h 41 min
